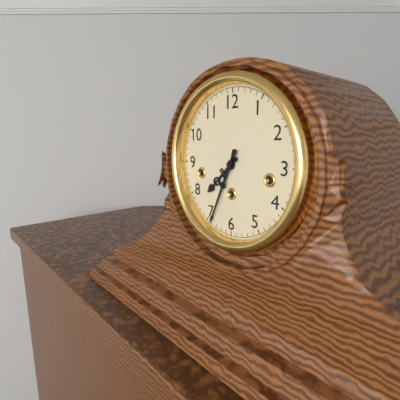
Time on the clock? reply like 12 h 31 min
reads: 7 h 34 min
